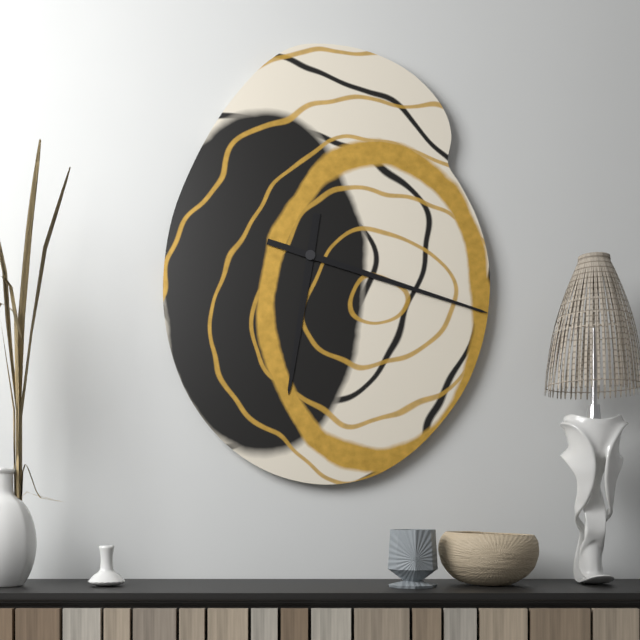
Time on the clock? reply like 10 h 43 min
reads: 6 h 18 min
